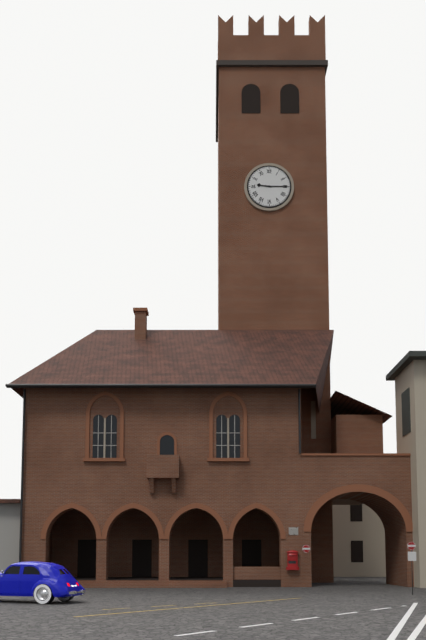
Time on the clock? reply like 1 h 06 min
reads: 9 h 15 min
